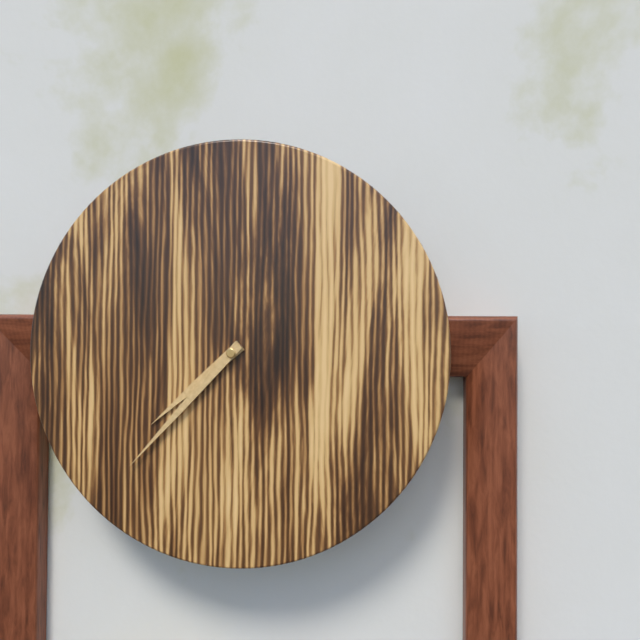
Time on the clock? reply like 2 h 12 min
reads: 7 h 37 min
